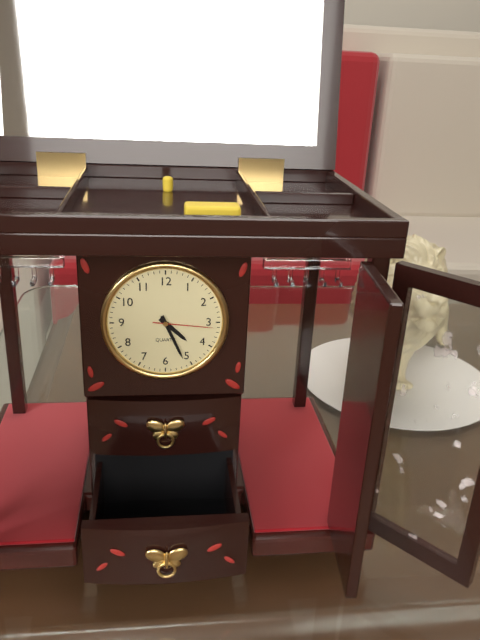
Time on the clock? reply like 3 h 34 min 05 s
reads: 4 h 26 min 16 s
